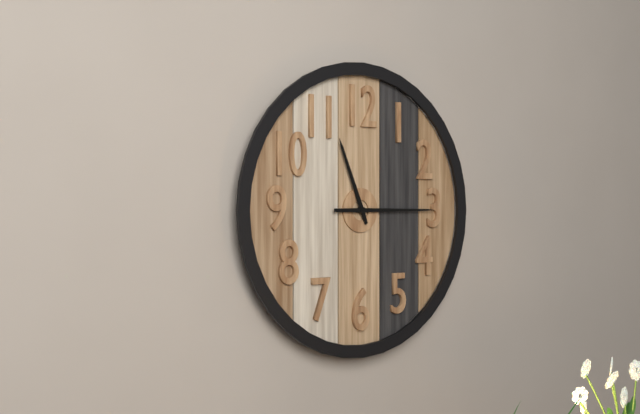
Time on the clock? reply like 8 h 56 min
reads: 11 h 15 min
